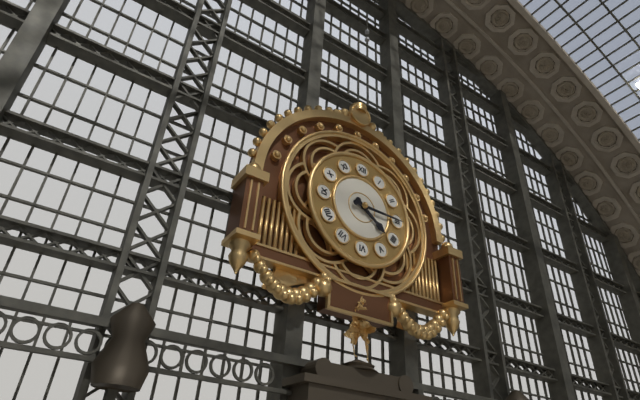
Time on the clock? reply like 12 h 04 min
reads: 4 h 15 min
